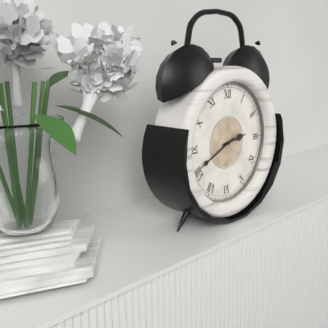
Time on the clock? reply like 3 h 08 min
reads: 2 h 41 min
